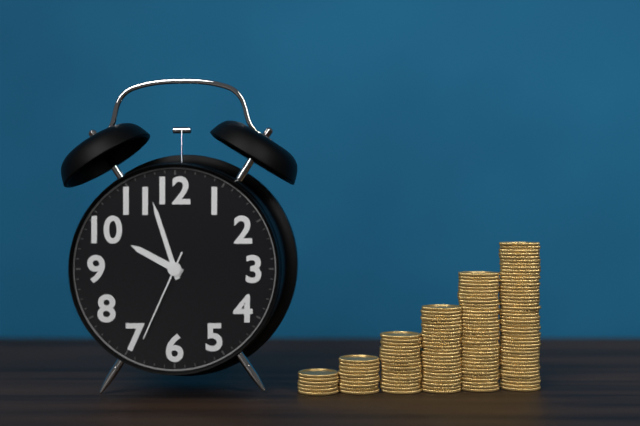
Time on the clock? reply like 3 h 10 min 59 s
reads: 9 h 57 min 34 s
